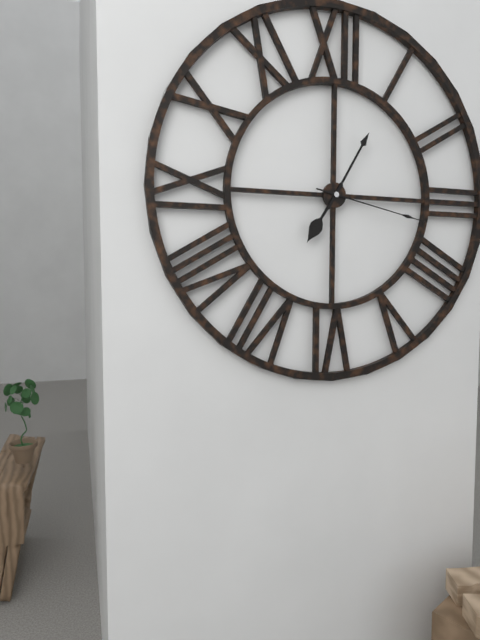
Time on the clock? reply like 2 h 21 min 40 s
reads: 7 h 05 min 17 s
